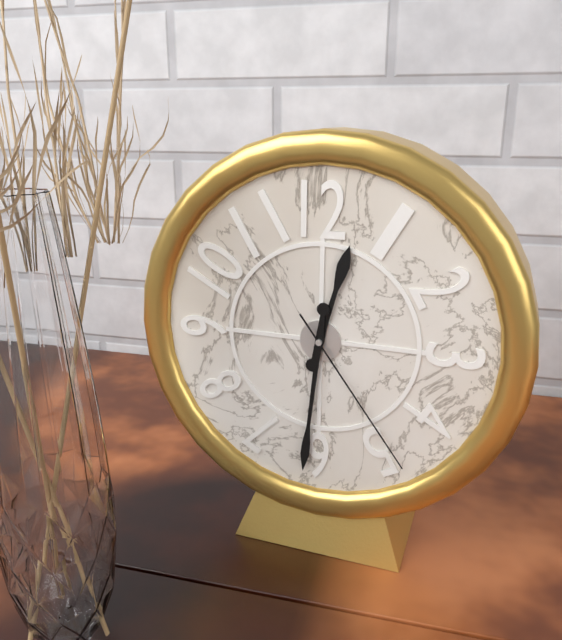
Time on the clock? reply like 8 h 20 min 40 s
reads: 12 h 31 min 24 s
